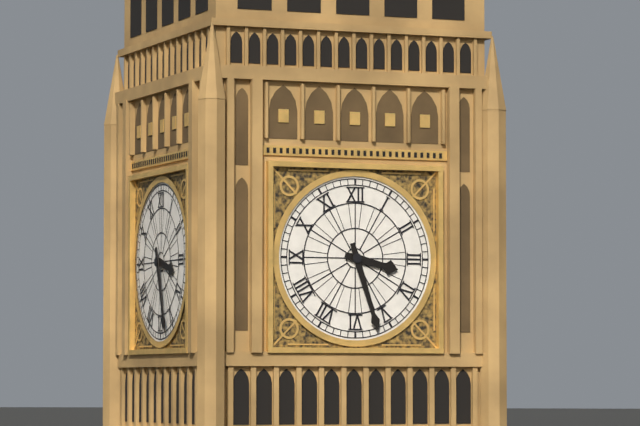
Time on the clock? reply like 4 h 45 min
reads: 3 h 27 min
